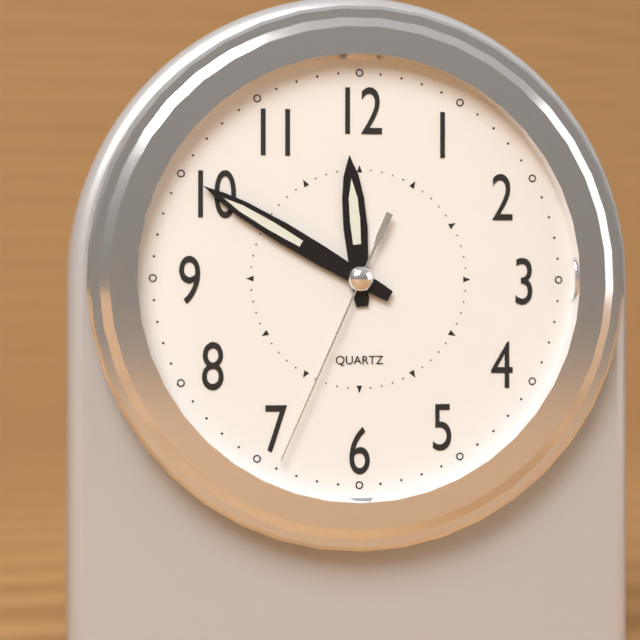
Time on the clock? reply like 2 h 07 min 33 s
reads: 11 h 50 min 34 s
